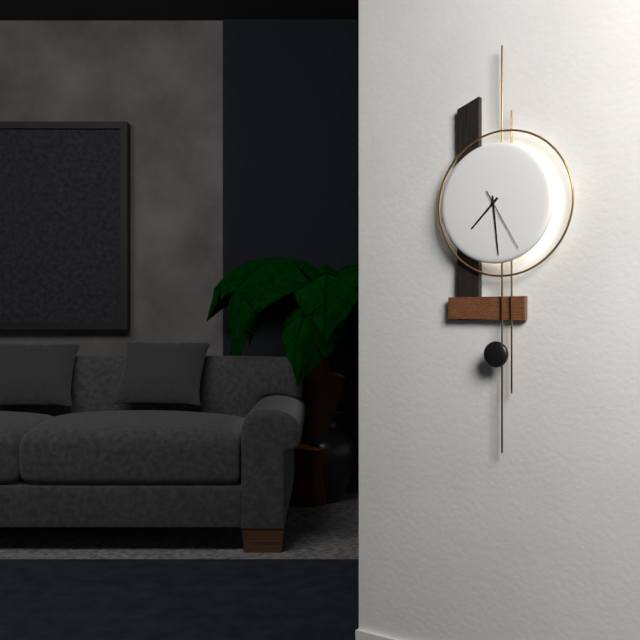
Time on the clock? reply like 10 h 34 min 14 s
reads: 7 h 29 min 25 s
